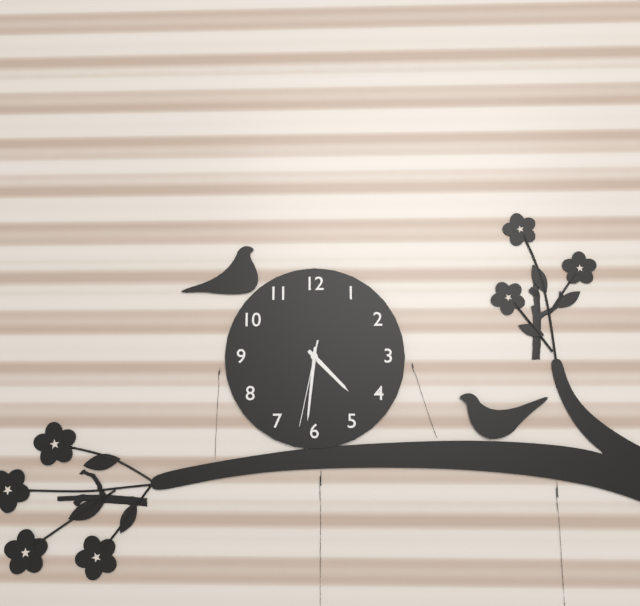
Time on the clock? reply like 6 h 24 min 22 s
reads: 4 h 31 min 32 s
